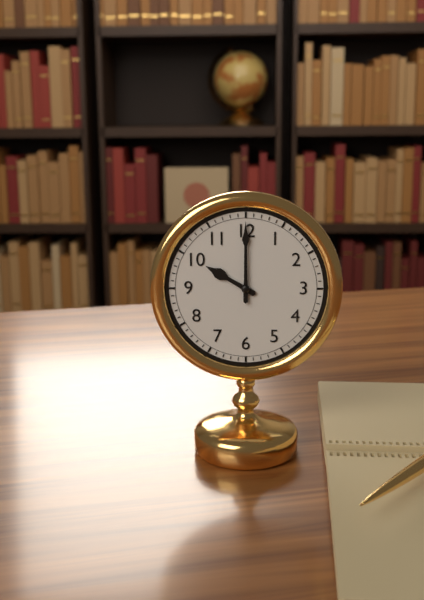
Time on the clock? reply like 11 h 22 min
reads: 10 h 00 min
